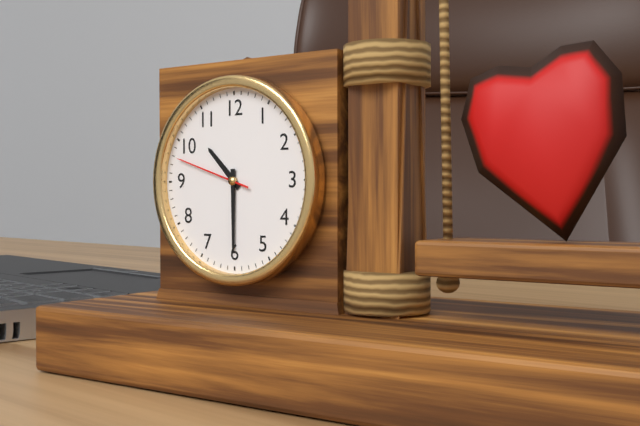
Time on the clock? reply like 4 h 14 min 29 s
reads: 10 h 30 min 48 s
